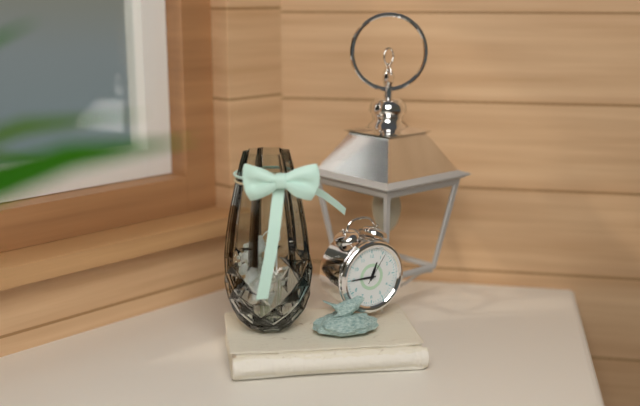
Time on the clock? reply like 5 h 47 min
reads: 12 h 45 min
